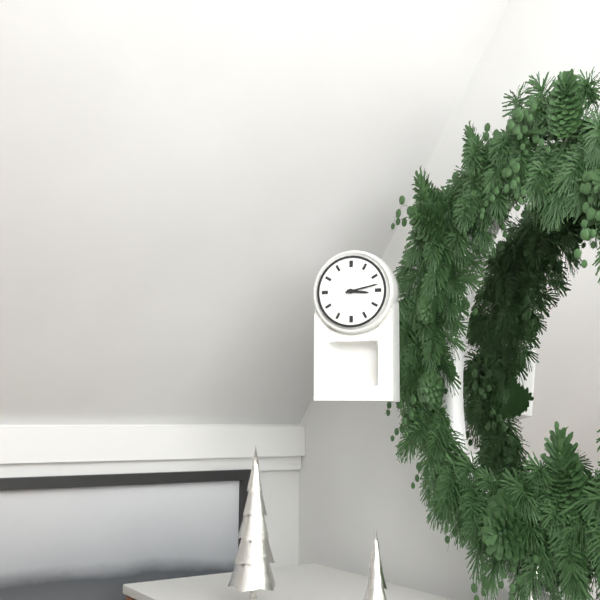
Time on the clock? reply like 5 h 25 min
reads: 3 h 13 min
